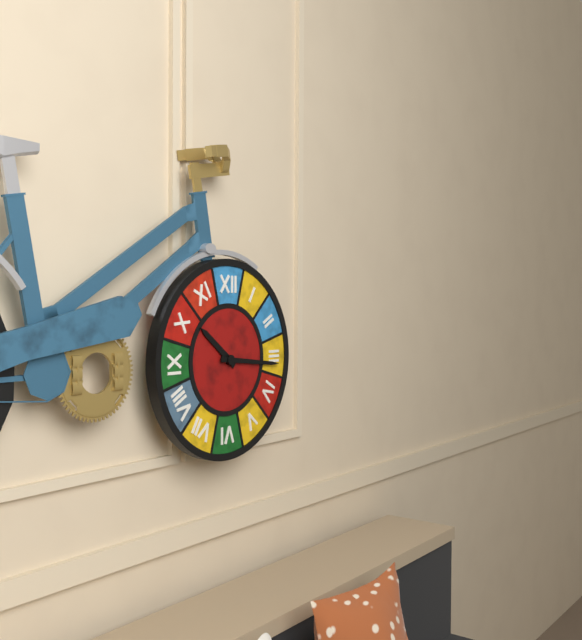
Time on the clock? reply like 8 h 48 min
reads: 10 h 16 min
